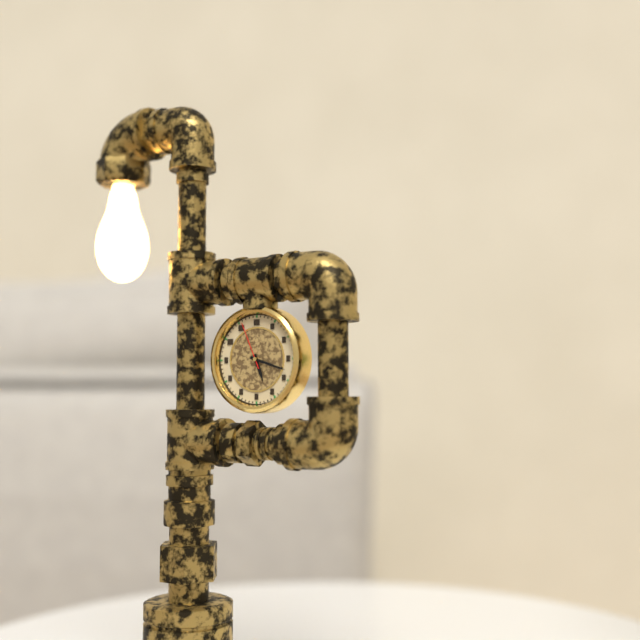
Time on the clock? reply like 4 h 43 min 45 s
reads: 5 h 18 min 56 s
